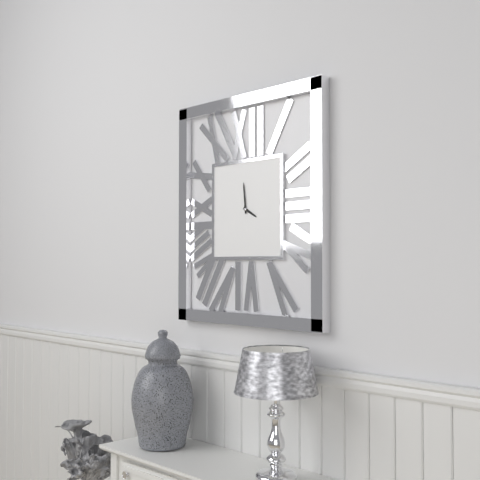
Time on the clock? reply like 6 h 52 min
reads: 3 h 59 min
